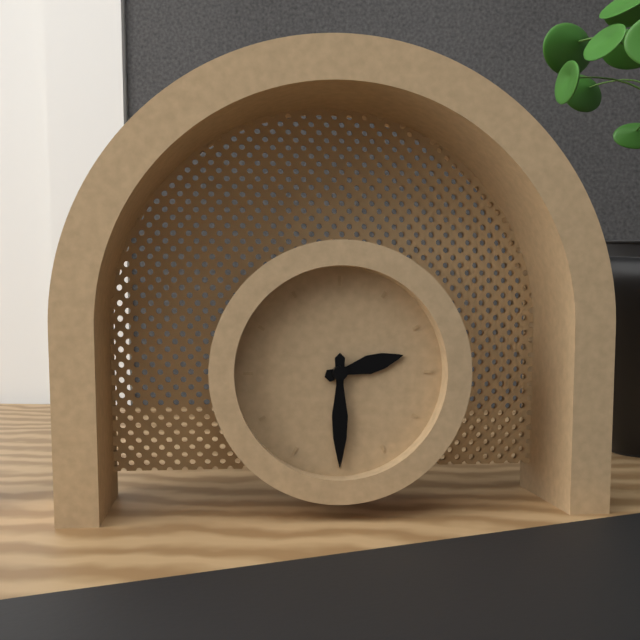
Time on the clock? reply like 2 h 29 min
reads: 2 h 30 min
